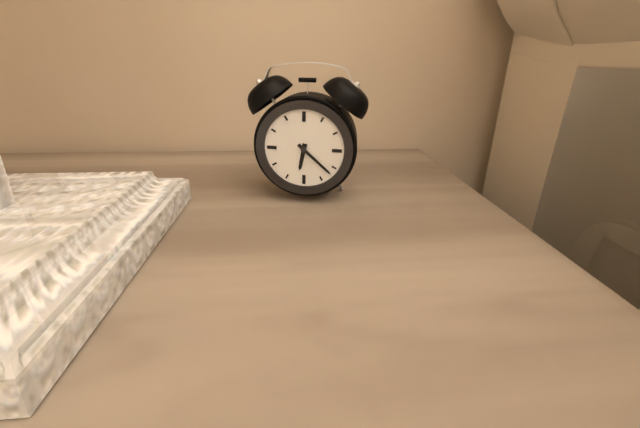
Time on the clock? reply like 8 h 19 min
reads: 6 h 22 min
